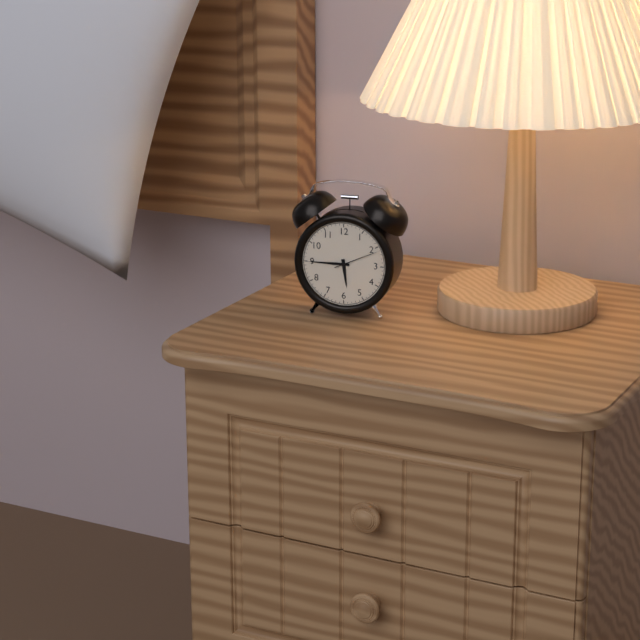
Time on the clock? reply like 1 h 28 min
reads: 5 h 45 min
